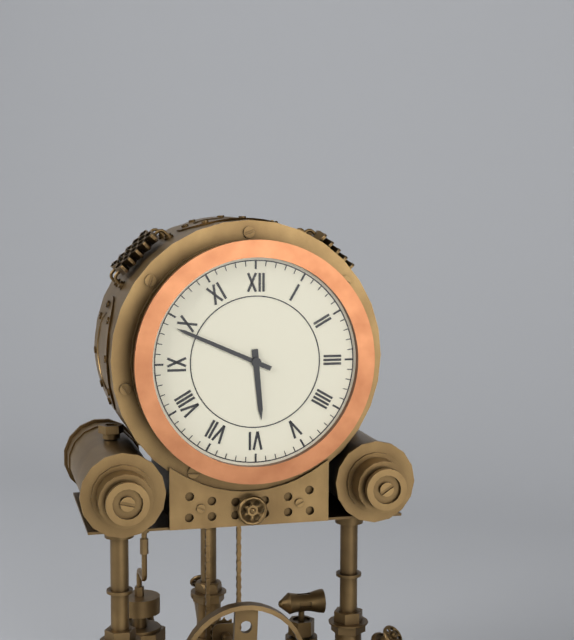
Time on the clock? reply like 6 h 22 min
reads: 5 h 49 min
